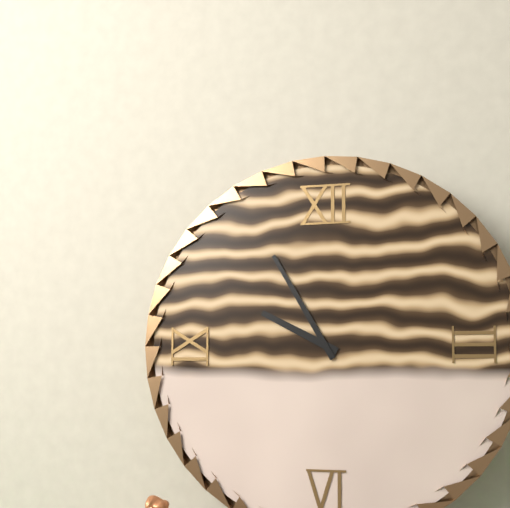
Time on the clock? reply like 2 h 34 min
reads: 9 h 55 min
